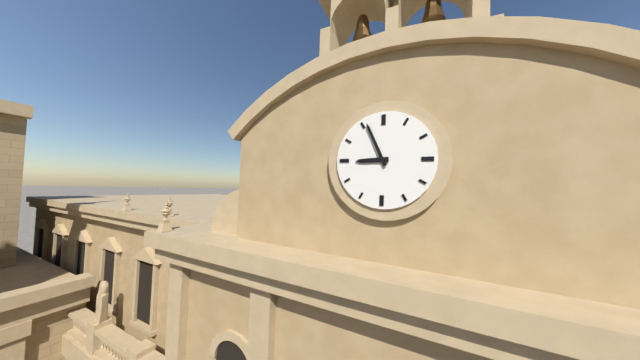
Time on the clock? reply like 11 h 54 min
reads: 8 h 56 min
